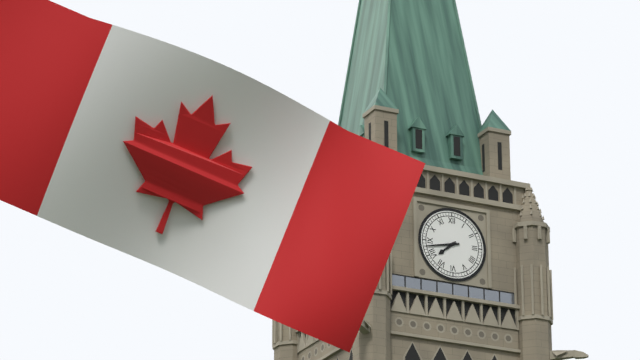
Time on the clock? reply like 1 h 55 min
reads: 7 h 43 min
